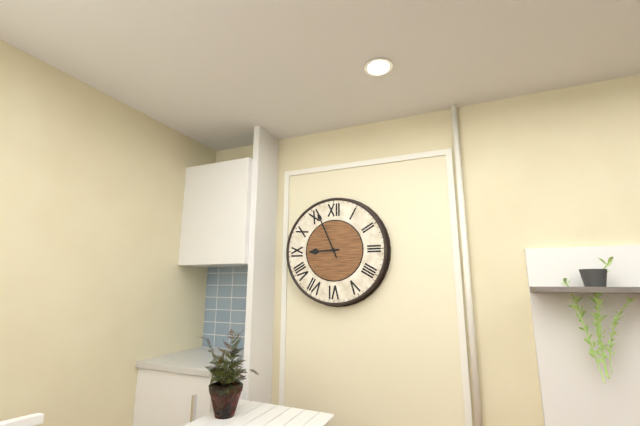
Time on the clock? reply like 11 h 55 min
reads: 8 h 56 min
